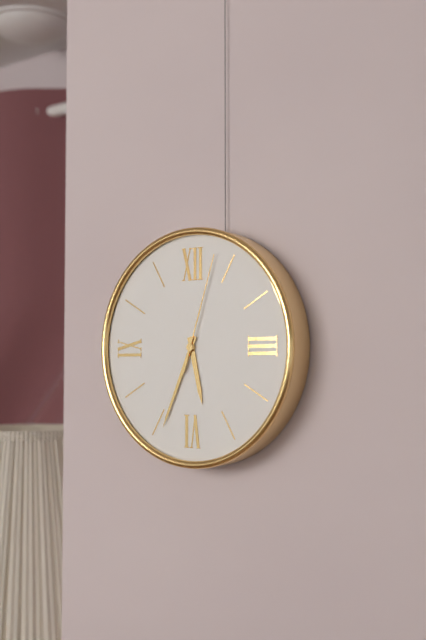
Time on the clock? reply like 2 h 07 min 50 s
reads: 5 h 34 min 03 s
